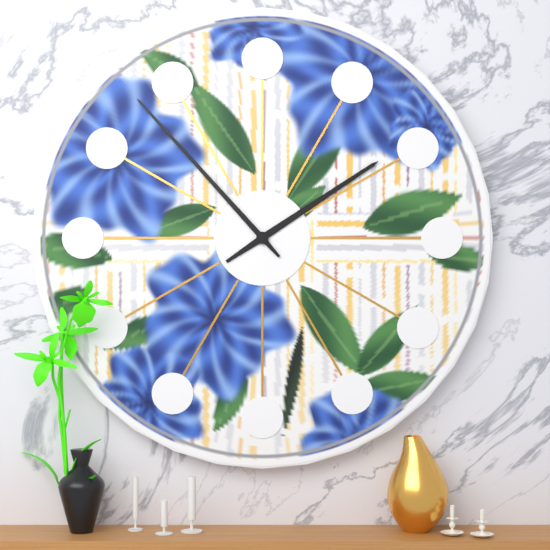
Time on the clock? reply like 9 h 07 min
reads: 1 h 53 min
